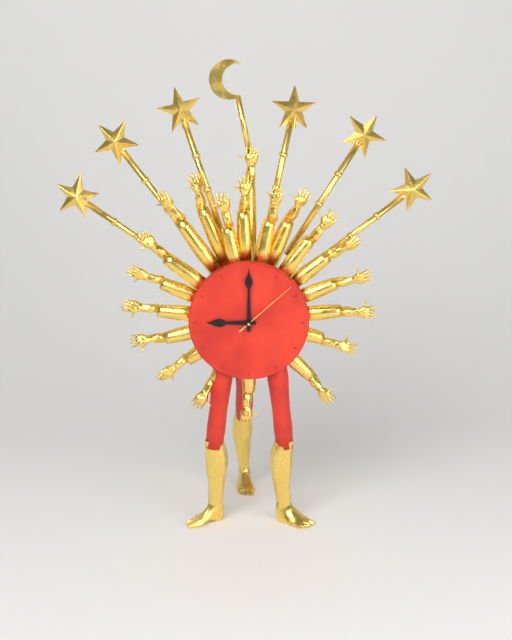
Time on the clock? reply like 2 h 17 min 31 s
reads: 9 h 00 min 08 s
